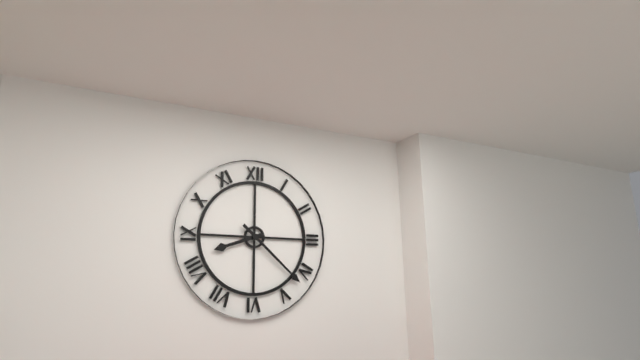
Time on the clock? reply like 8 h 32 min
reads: 8 h 22 min
